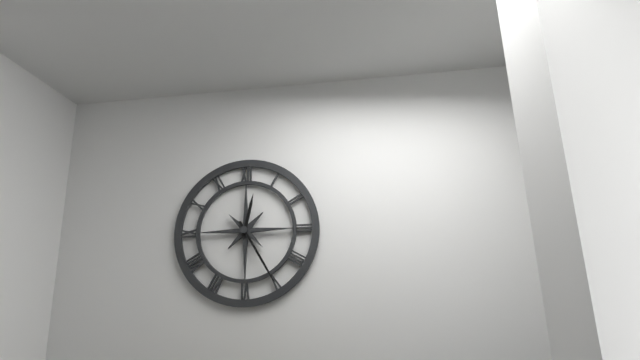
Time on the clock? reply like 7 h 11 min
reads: 12 h 25 min
